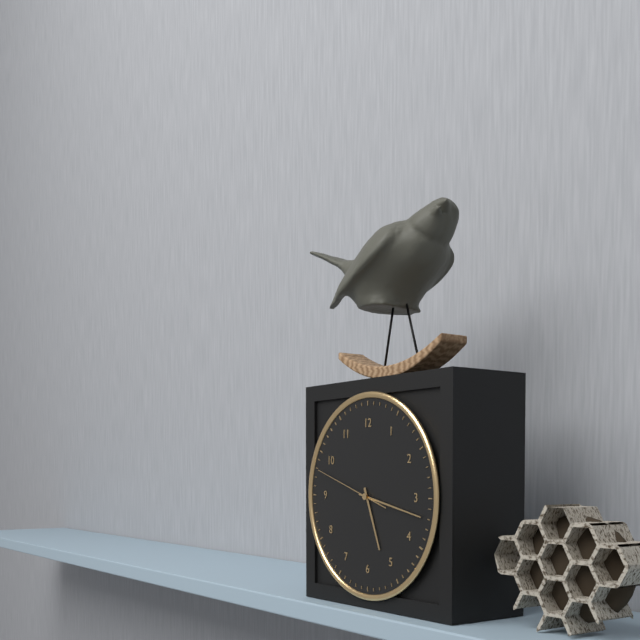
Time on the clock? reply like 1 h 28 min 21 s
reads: 5 h 17 min 48 s
